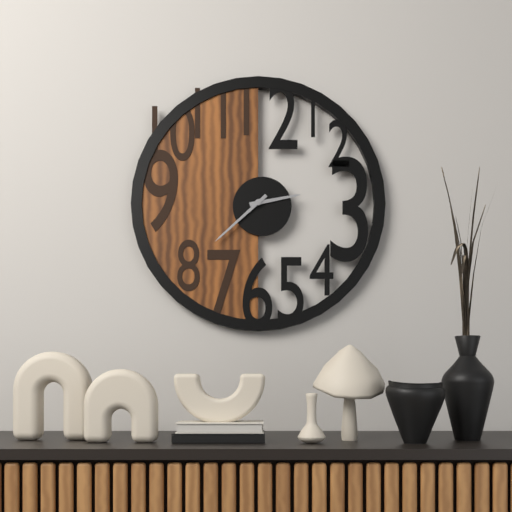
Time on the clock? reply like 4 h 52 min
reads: 2 h 38 min
